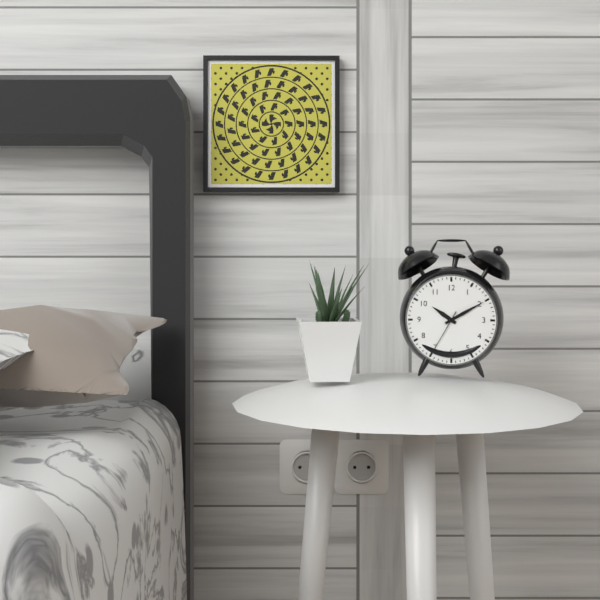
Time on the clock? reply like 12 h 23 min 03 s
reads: 10 h 10 min 35 s
